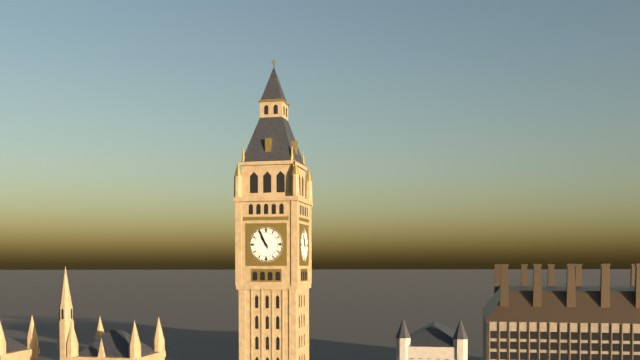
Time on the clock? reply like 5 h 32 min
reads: 10 h 56 min
